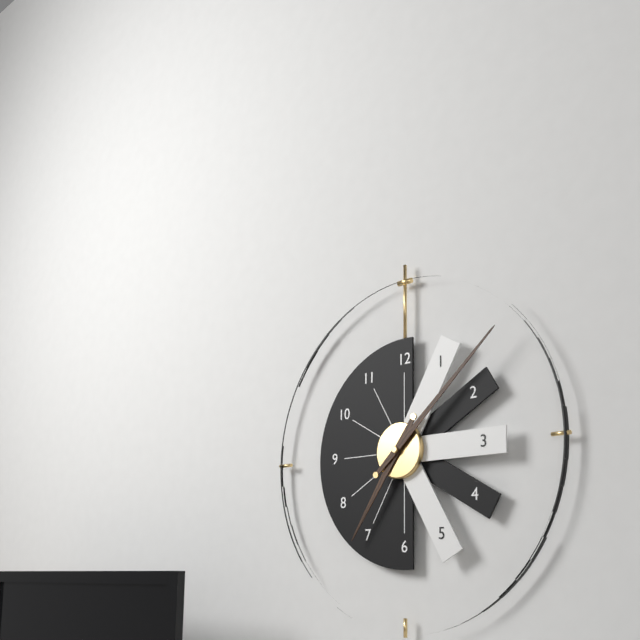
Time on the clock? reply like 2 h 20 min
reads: 7 h 08 min
